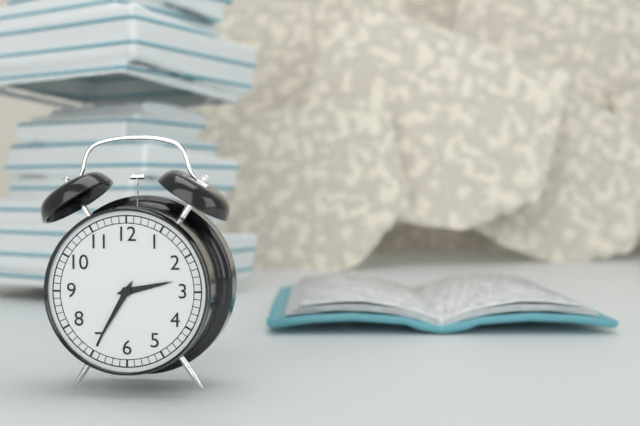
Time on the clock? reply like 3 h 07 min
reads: 2 h 35 min
